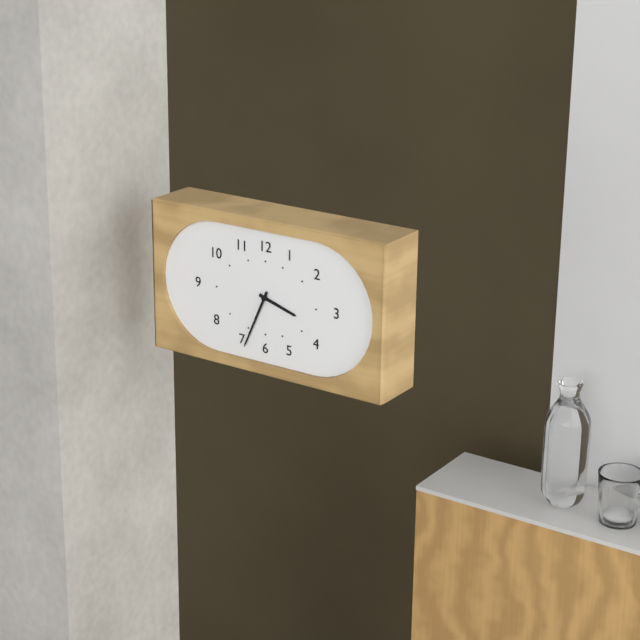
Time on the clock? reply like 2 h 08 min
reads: 3 h 34 min
